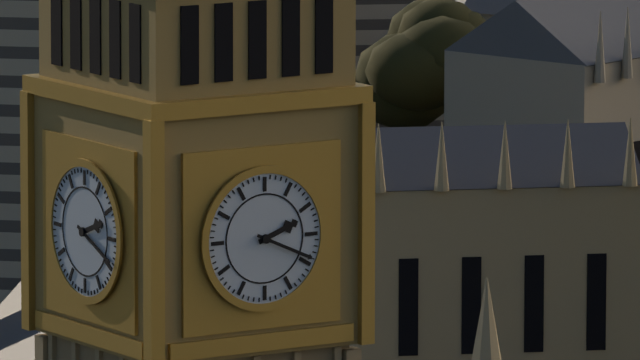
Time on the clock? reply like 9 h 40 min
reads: 2 h 19 min
